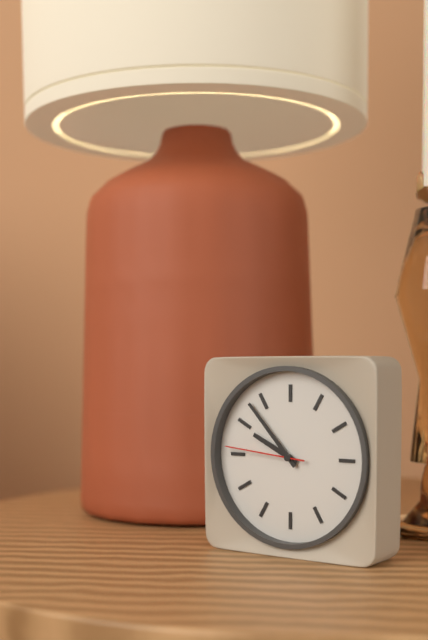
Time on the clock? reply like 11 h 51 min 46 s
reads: 9 h 53 min 46 s
